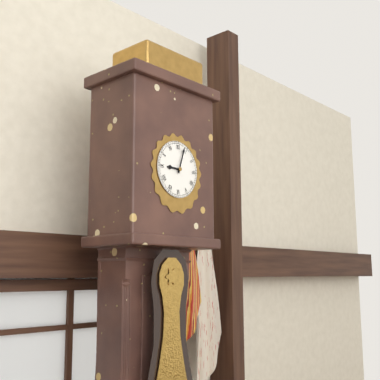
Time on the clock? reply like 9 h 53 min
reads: 9 h 03 min
